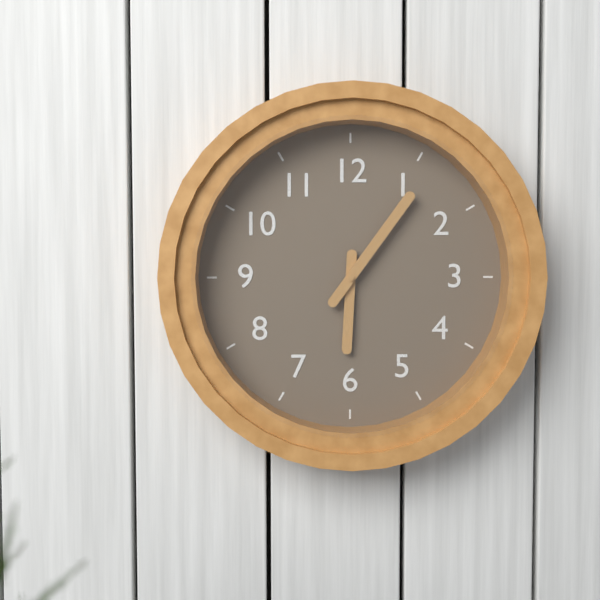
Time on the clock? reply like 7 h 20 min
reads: 6 h 06 min
